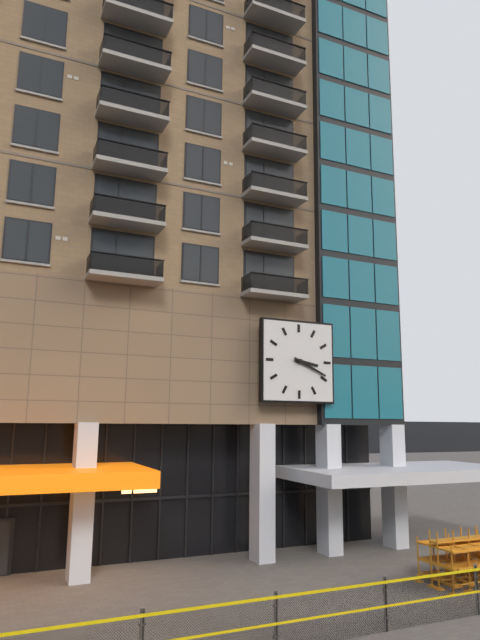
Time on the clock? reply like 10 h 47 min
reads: 3 h 19 min
